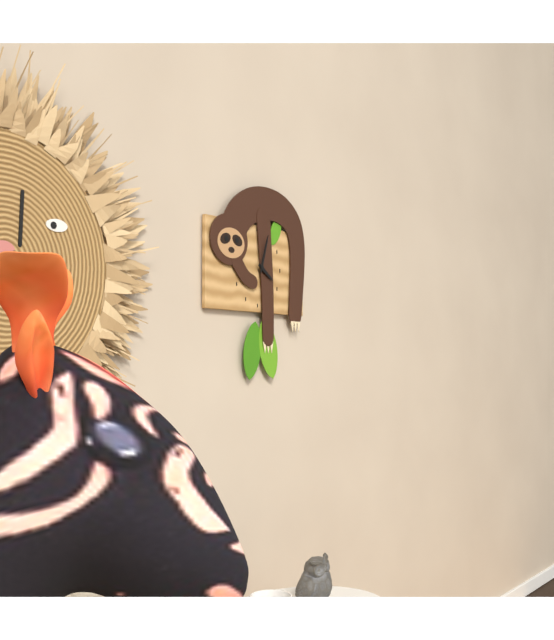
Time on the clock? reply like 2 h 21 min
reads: 4 h 03 min
